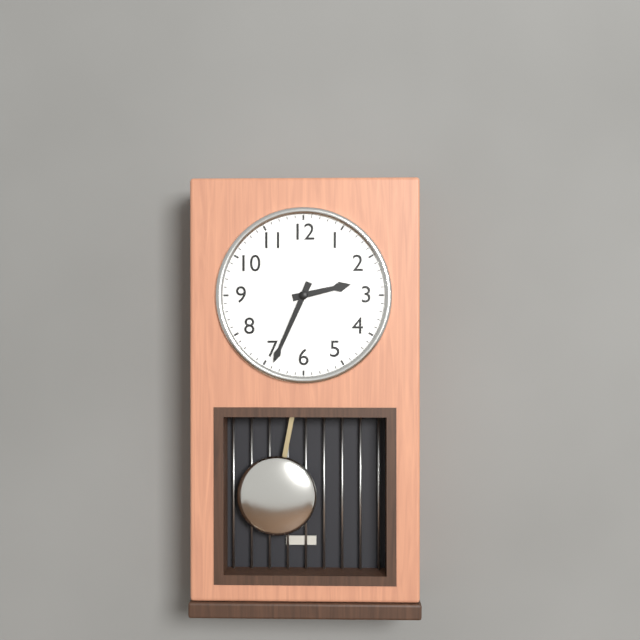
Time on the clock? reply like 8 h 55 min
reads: 2 h 34 min
